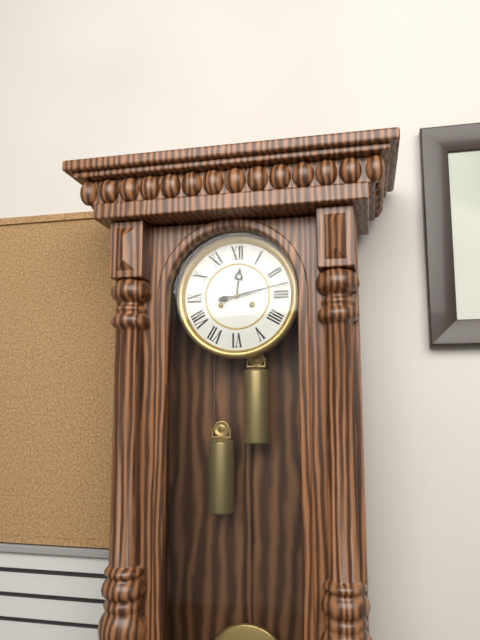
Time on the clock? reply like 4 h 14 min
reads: 12 h 13 min
